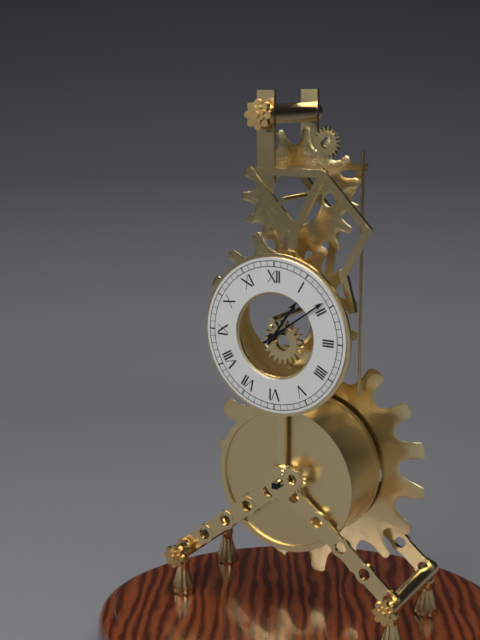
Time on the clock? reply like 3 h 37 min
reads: 1 h 09 min
